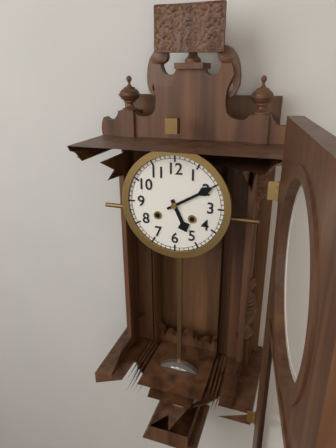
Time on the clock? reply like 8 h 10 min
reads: 5 h 10 min
